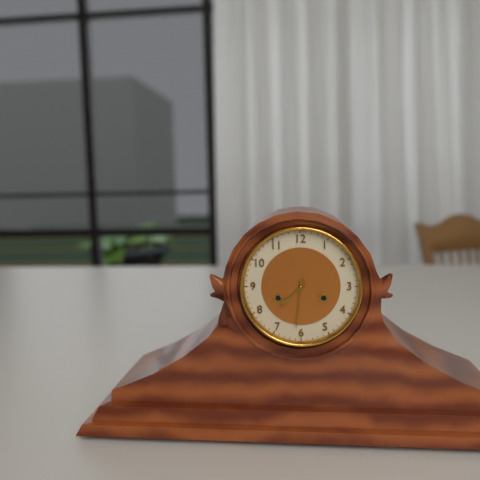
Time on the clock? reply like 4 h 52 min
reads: 7 h 31 min
